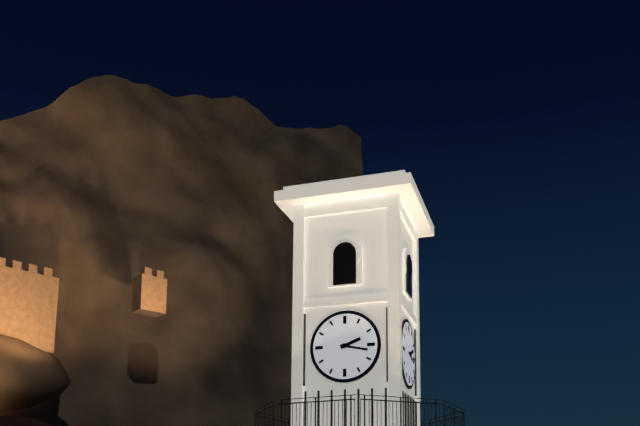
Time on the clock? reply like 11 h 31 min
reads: 2 h 17 min
